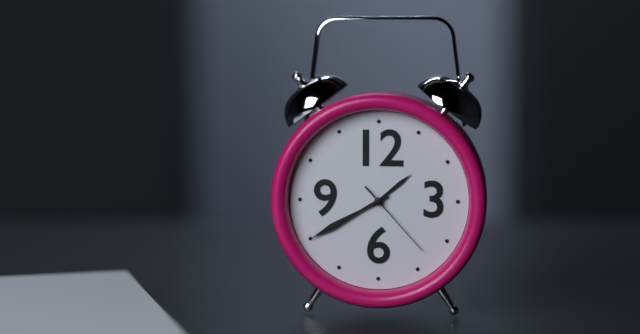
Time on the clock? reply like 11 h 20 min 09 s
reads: 1 h 40 min 23 s
